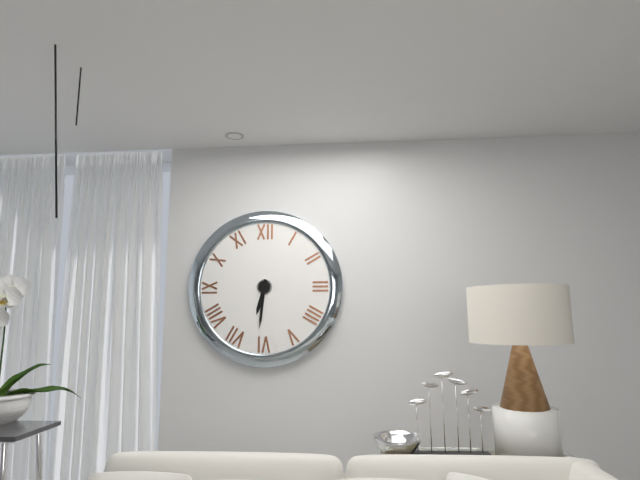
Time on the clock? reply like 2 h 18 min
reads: 6 h 31 min
